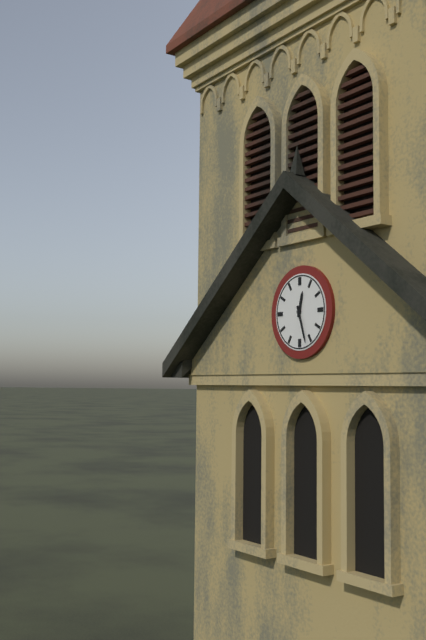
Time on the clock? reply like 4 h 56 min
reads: 12 h 27 min
